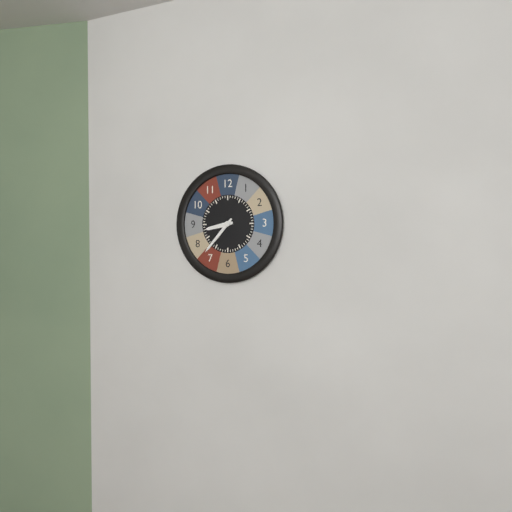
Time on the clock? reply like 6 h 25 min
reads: 8 h 37 min
